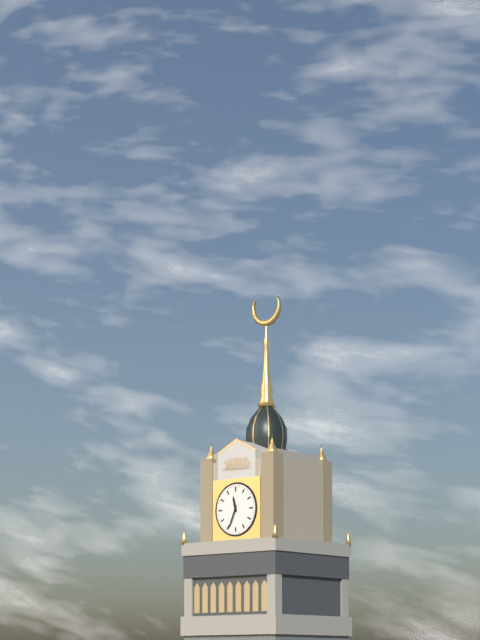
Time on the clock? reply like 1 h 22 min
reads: 11 h 34 min
